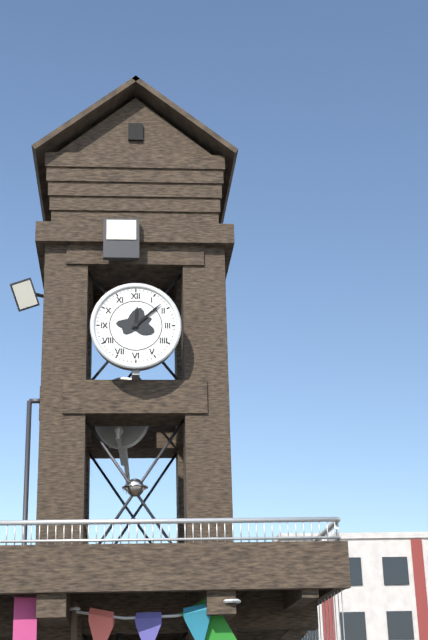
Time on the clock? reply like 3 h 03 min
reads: 12 h 08 min
